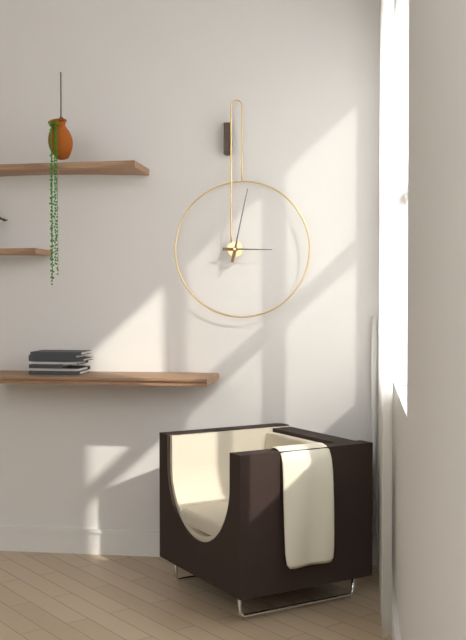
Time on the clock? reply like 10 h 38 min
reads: 3 h 02 min
